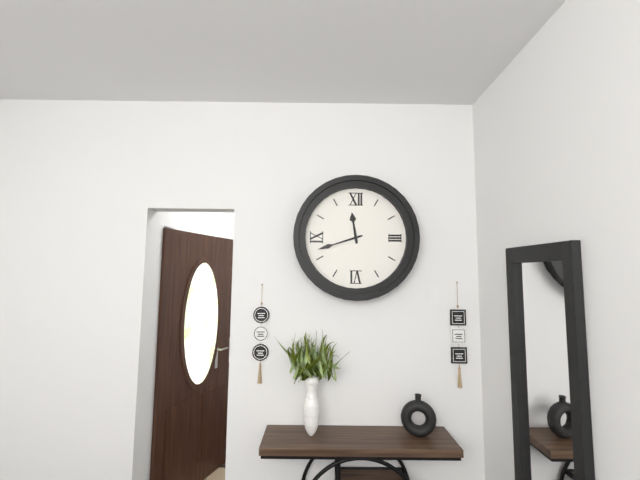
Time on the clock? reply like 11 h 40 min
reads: 11 h 42 min
